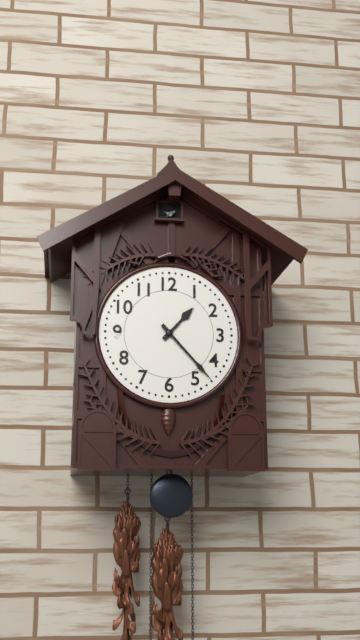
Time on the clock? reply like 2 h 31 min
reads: 1 h 23 min
